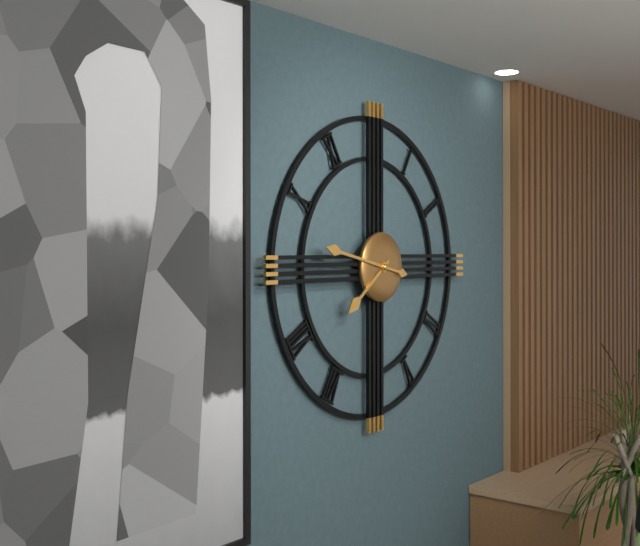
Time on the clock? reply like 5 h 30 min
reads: 7 h 47 min
